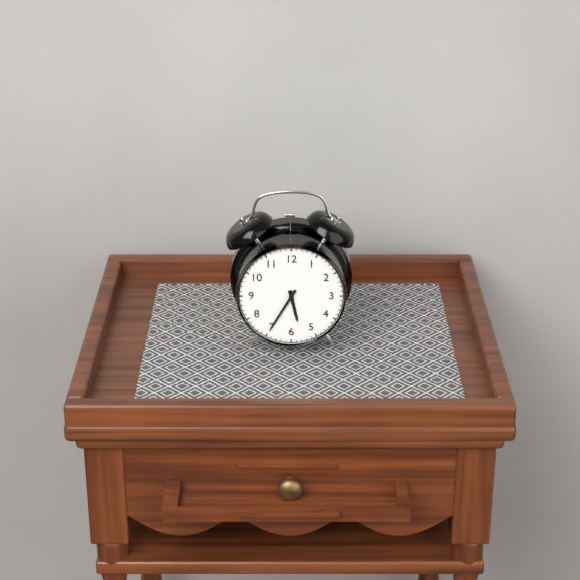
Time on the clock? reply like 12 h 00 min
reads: 5 h 35 min
